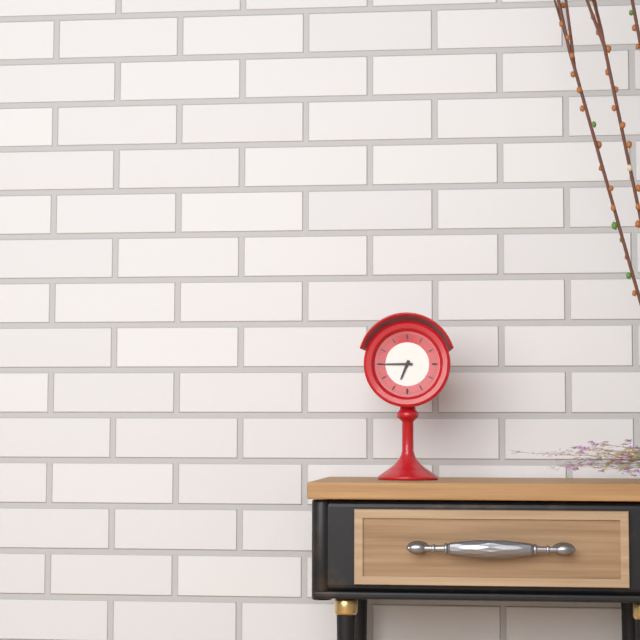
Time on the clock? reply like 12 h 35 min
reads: 6 h 45 min
